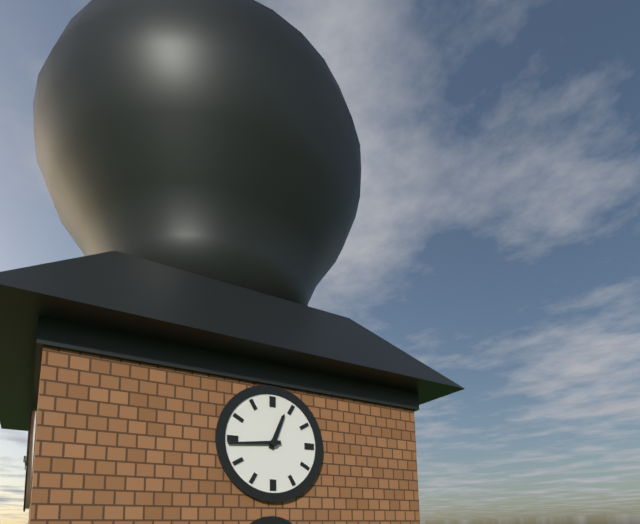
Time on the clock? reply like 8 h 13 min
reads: 12 h 44 min
